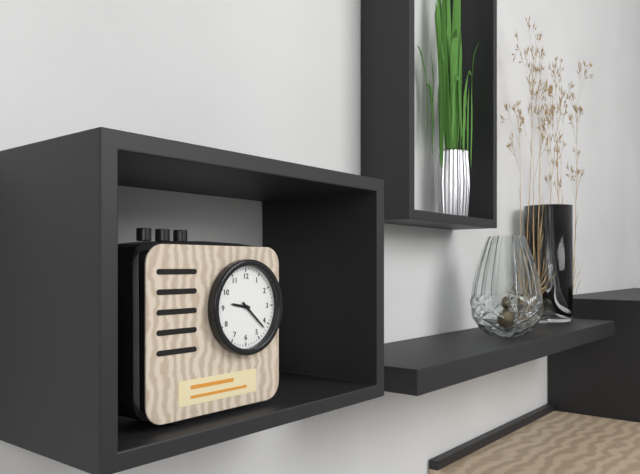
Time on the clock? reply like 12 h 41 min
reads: 9 h 22 min
